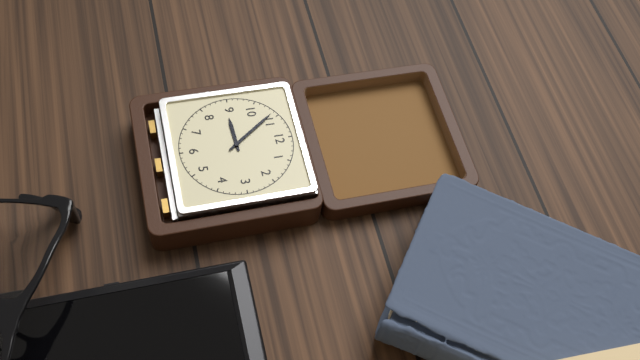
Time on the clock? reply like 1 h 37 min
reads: 8 h 54 min
